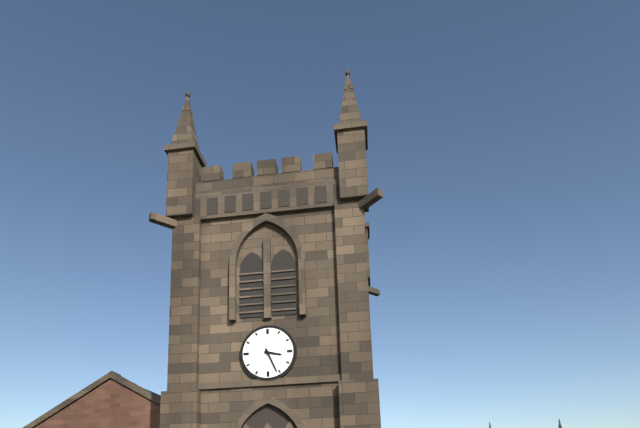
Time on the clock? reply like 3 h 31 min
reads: 3 h 26 min
